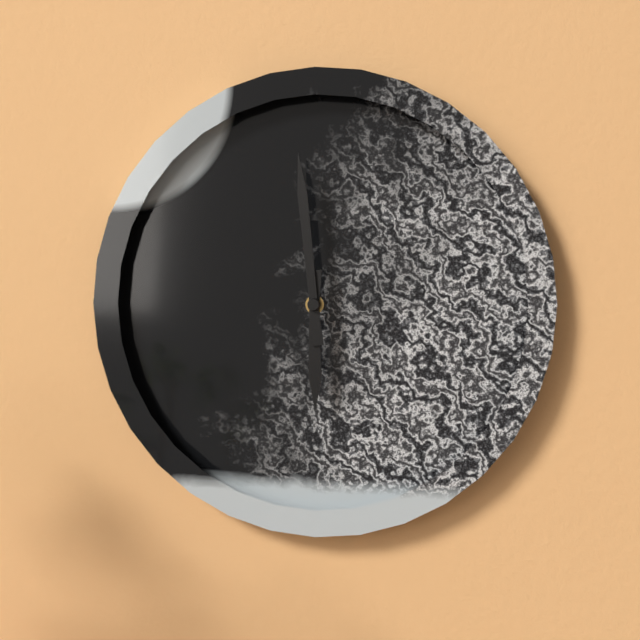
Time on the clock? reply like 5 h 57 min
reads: 5 h 59 min
